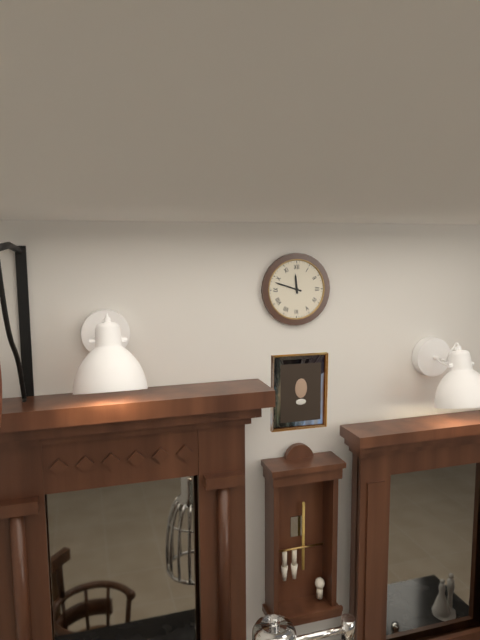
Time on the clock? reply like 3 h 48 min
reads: 11 h 48 min
